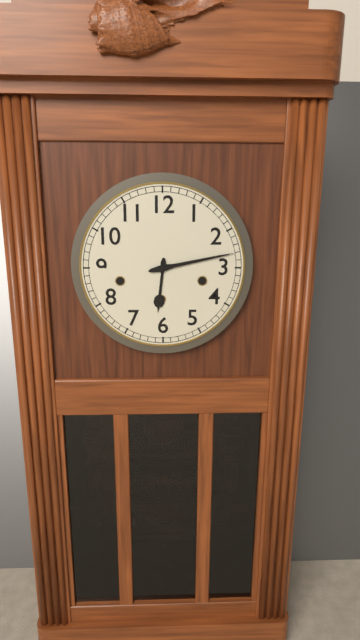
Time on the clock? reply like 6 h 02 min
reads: 6 h 13 min
